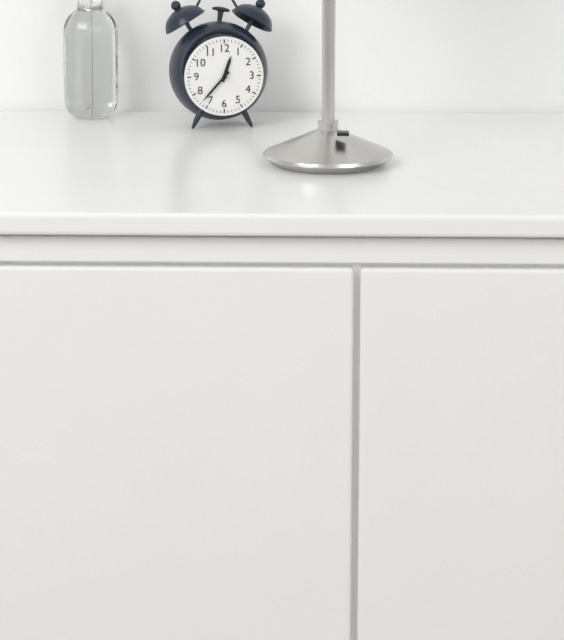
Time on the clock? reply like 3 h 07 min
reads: 12 h 37 min
